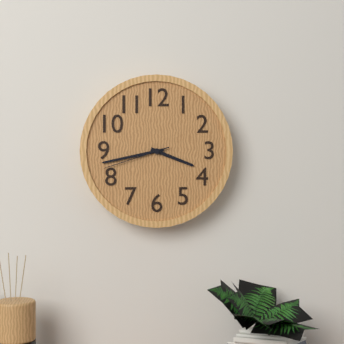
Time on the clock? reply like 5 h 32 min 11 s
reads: 3 h 43 min 42 s
